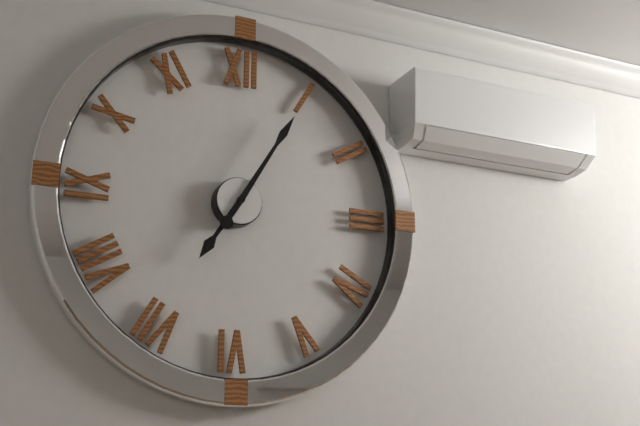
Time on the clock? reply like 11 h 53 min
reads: 7 h 05 min
